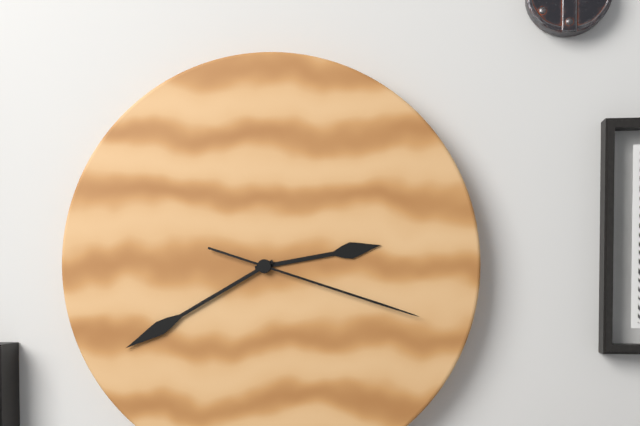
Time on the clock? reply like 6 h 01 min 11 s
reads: 2 h 40 min 18 s
